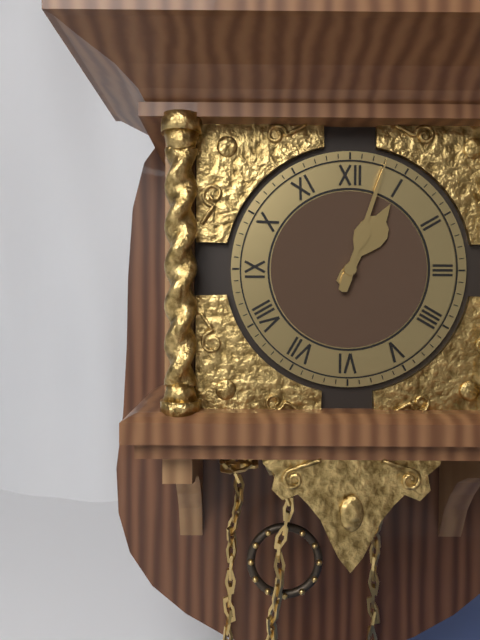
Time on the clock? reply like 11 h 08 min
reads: 1 h 03 min
